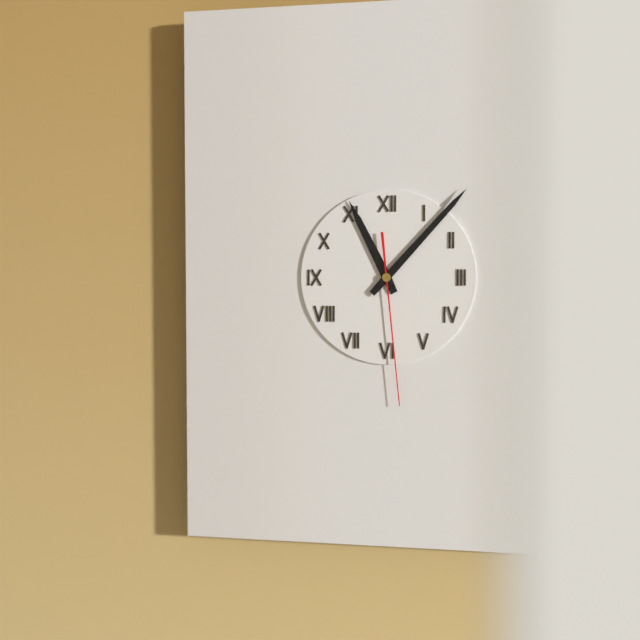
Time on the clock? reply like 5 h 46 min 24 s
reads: 11 h 07 min 29 s
